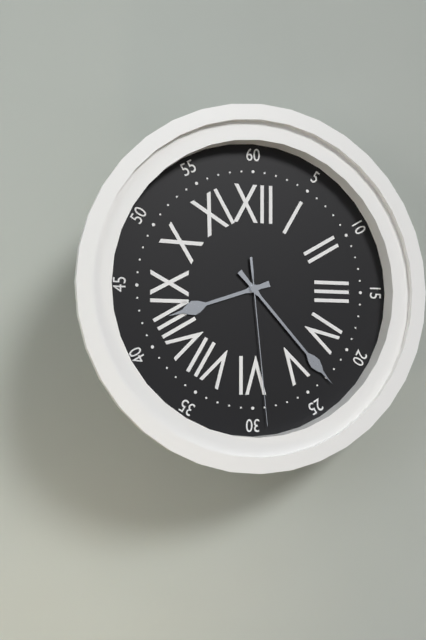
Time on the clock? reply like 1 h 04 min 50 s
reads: 8 h 23 min 29 s
